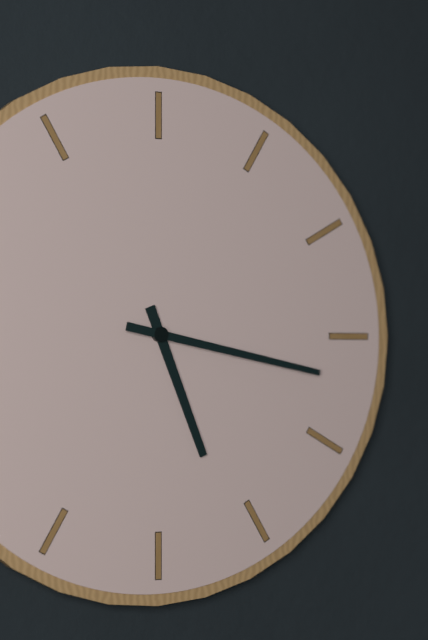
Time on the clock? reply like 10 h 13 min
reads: 5 h 17 min
